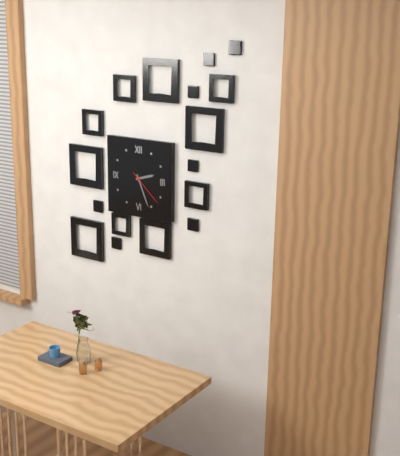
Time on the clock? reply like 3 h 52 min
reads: 2 h 26 min
